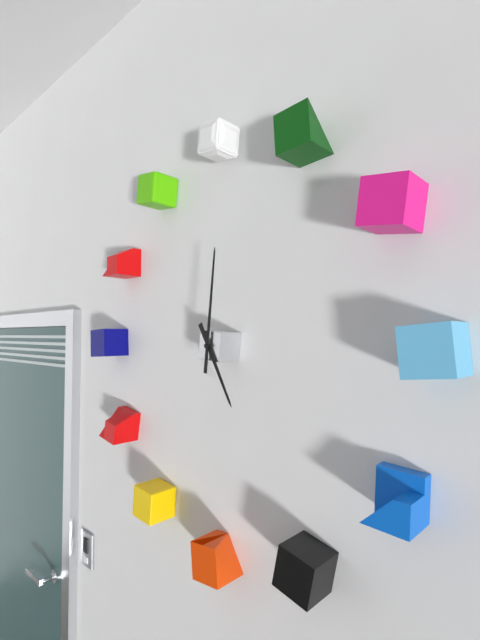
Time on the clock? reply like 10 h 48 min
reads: 5 h 01 min
